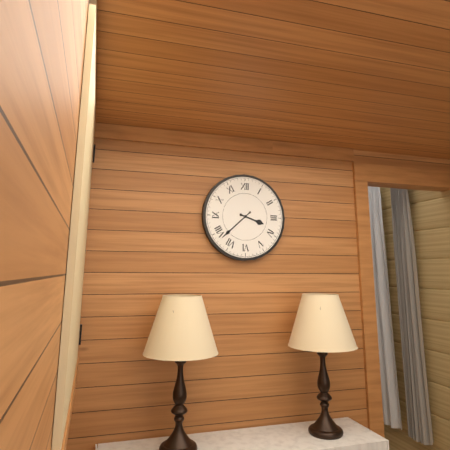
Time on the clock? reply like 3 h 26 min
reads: 3 h 38 min
